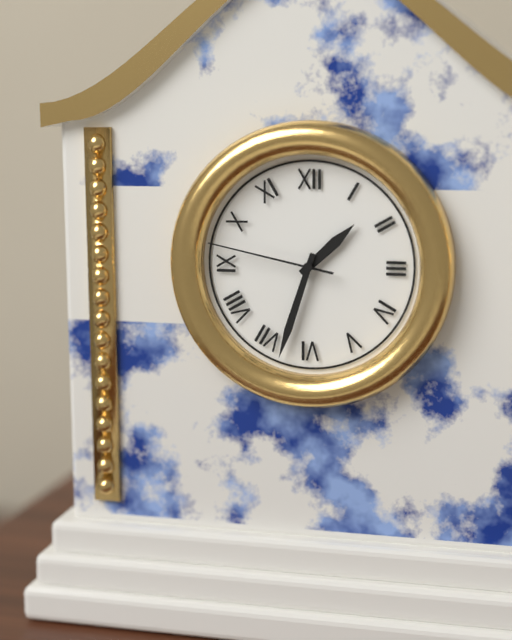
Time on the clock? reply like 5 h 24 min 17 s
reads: 1 h 33 min 47 s
